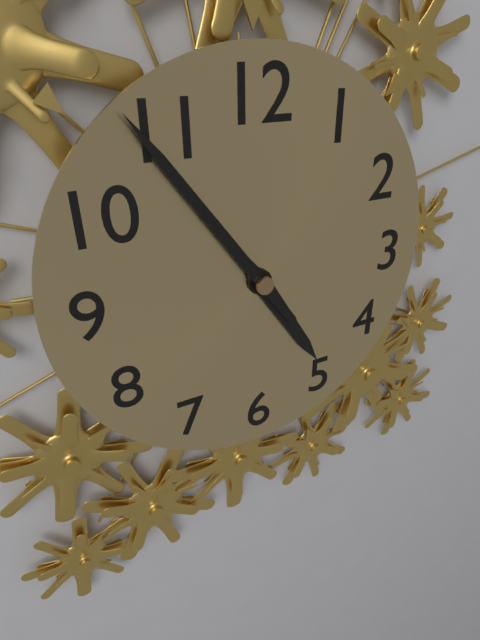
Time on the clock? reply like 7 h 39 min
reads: 4 h 54 min
